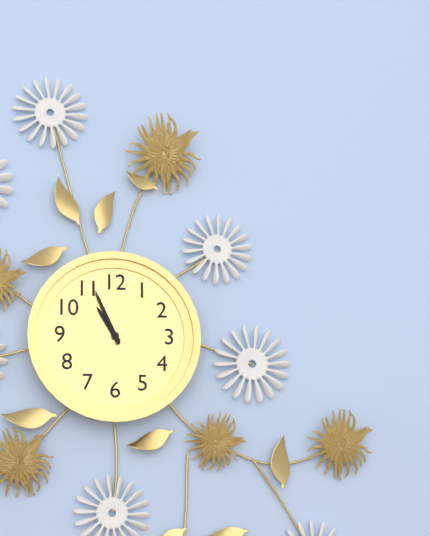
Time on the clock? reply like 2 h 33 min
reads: 10 h 56 min
